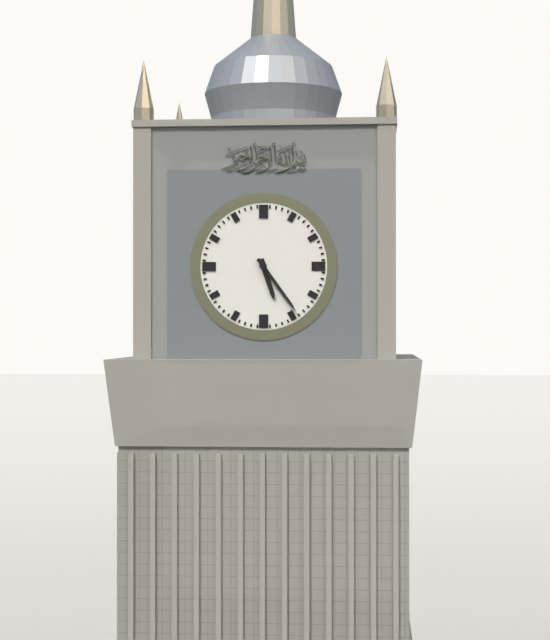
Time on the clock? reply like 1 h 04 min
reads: 5 h 24 min
